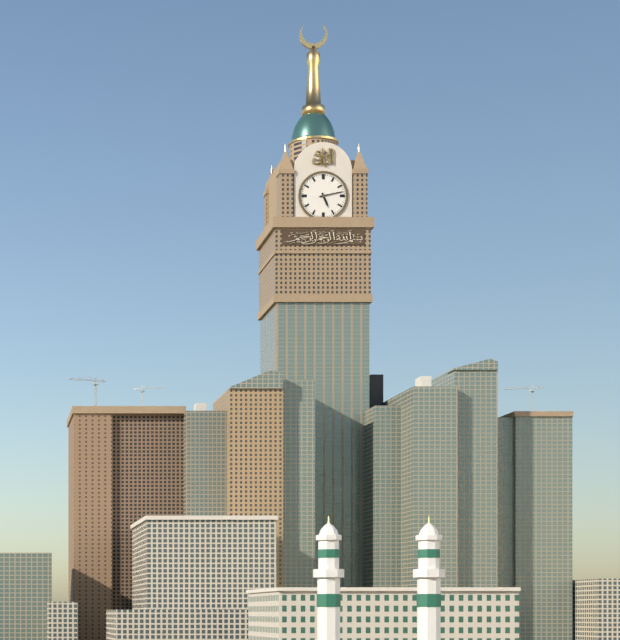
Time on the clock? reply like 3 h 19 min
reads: 5 h 13 min
